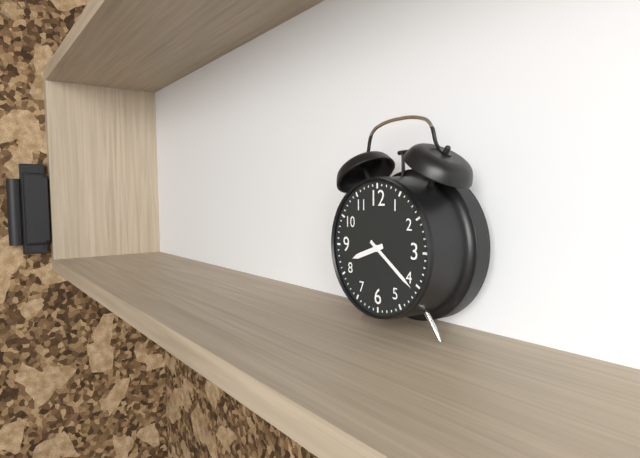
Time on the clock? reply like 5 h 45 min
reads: 8 h 21 min
